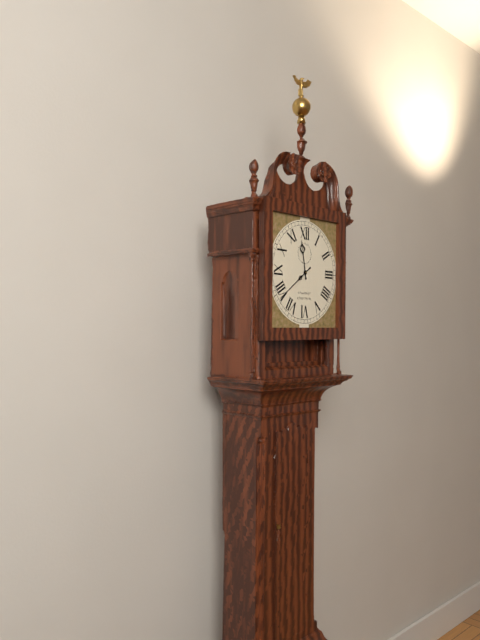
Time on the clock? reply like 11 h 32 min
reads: 11 h 39 min
